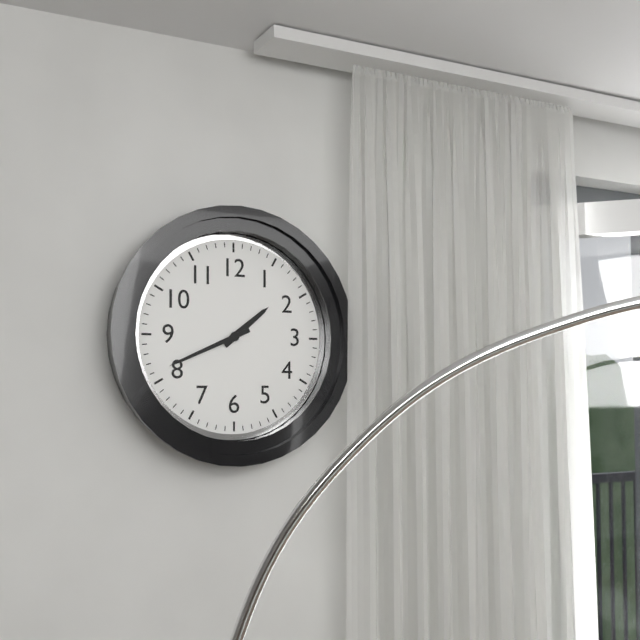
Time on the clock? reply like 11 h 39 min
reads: 1 h 41 min
